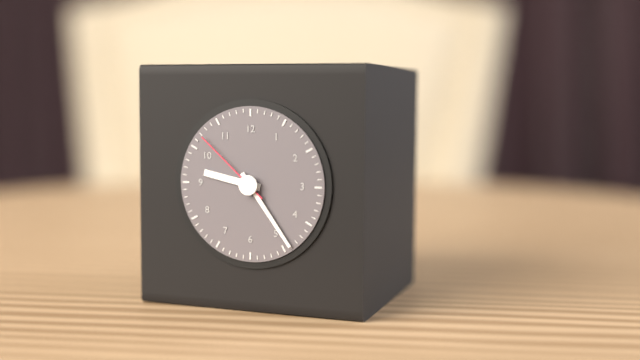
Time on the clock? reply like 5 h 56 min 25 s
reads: 9 h 24 min 52 s
